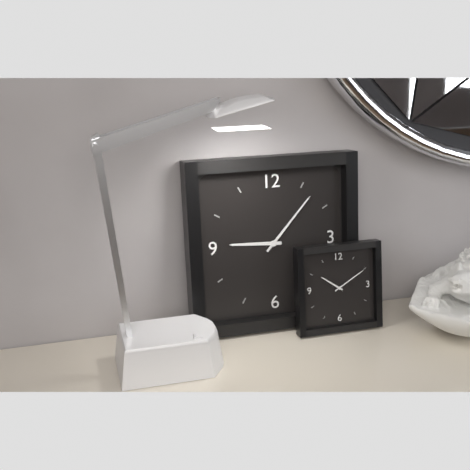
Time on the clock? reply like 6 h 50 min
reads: 9 h 07 min
